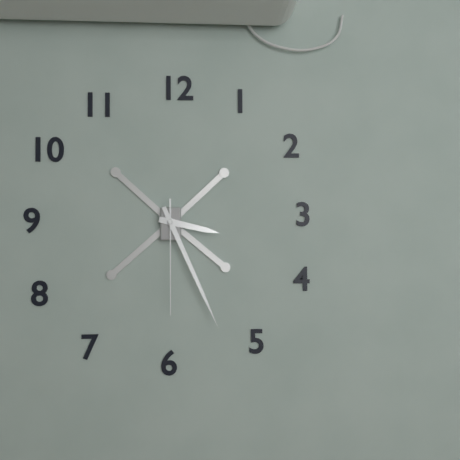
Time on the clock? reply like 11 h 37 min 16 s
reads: 3 h 26 min 30 s
